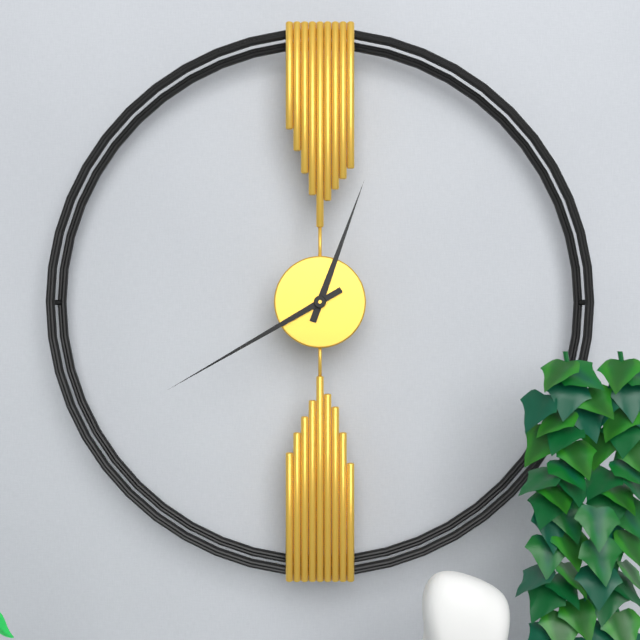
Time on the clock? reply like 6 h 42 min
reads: 12 h 40 min
